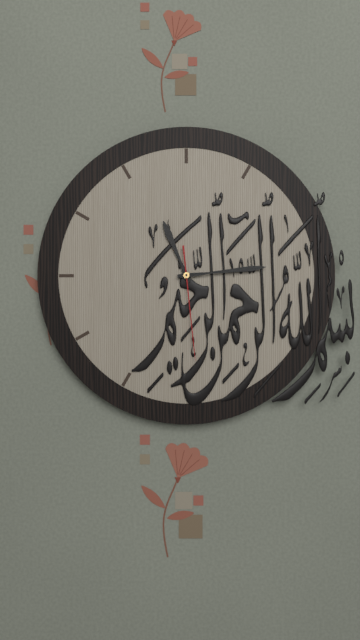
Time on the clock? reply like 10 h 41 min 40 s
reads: 11 h 14 min 29 s
